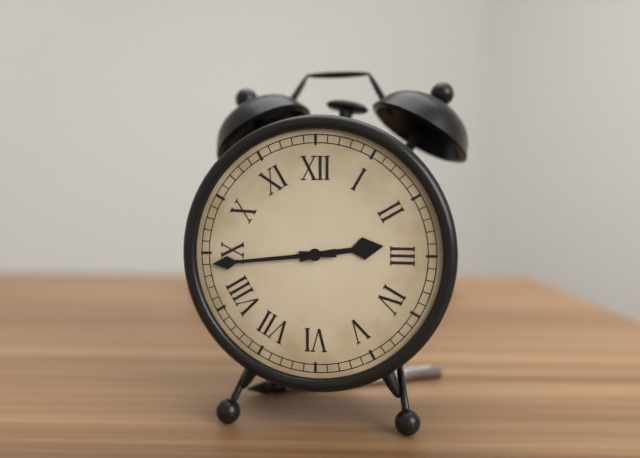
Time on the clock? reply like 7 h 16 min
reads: 2 h 44 min
